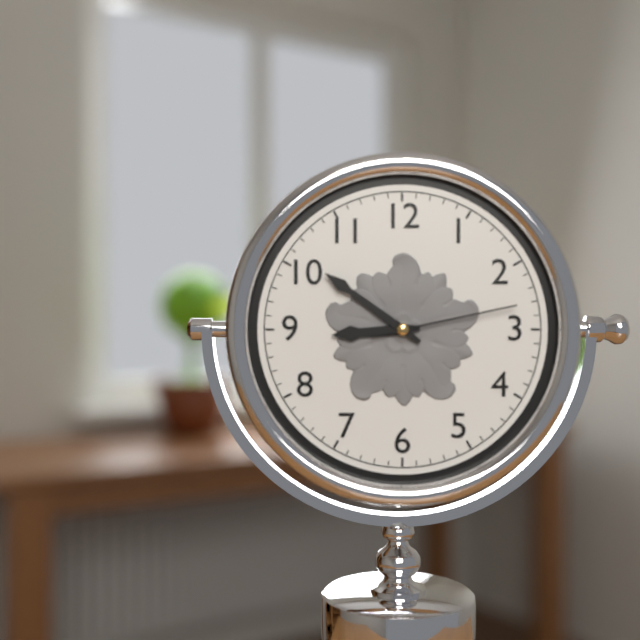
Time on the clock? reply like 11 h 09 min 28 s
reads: 8 h 51 min 13 s
